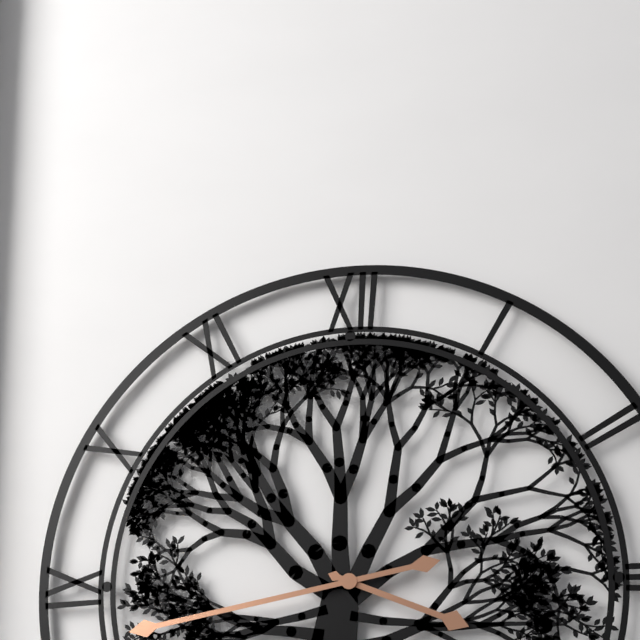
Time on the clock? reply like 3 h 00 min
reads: 3 h 43 min
